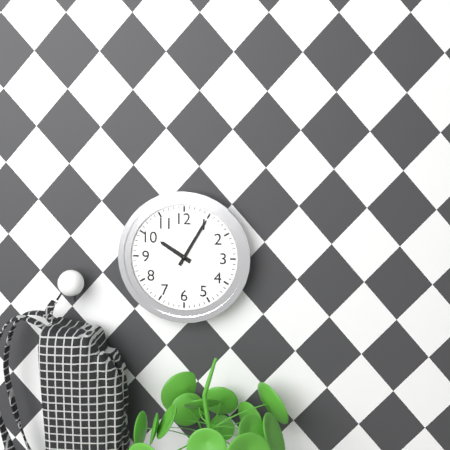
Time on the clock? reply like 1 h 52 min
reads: 10 h 05 min
